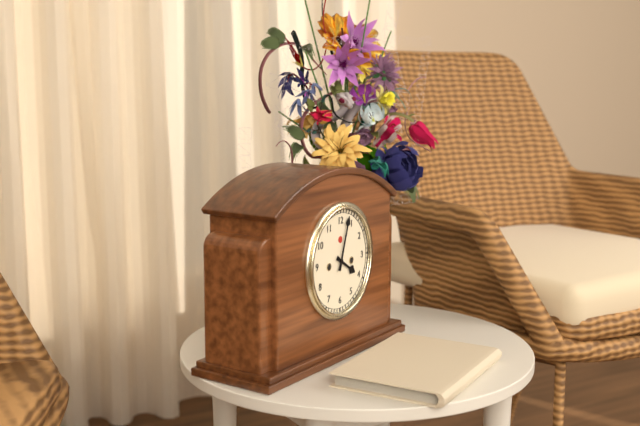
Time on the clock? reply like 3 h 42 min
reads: 4 h 03 min
